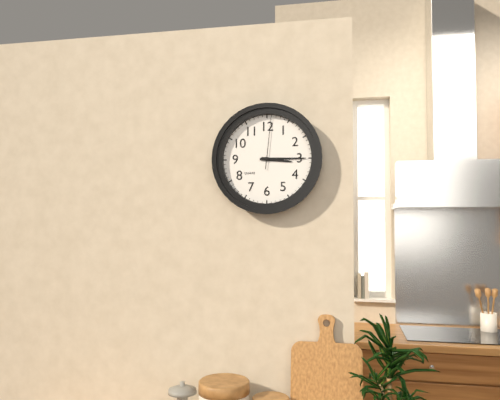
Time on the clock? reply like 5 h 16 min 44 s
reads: 3 h 15 min 01 s
